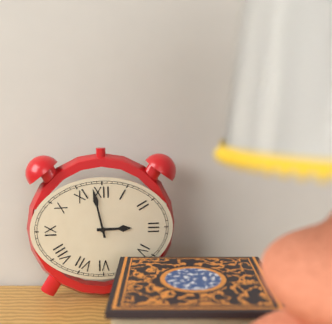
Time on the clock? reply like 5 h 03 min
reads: 2 h 58 min
